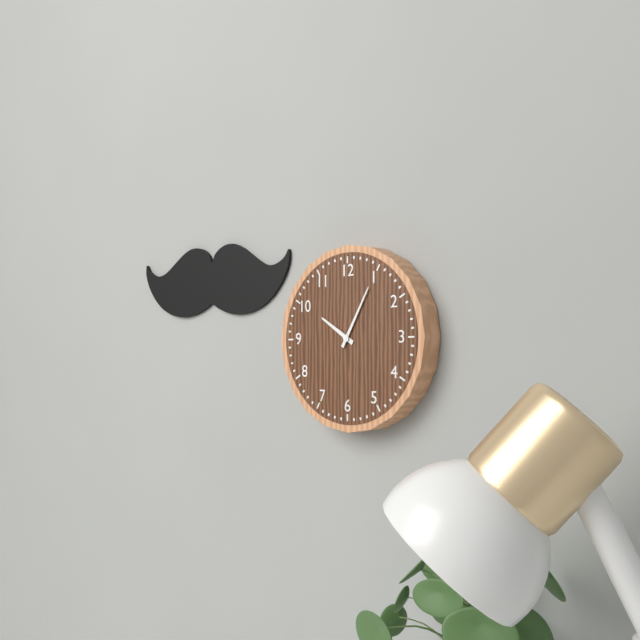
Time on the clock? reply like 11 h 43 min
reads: 10 h 05 min
